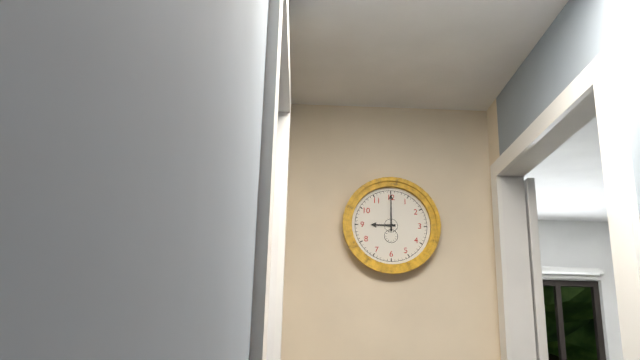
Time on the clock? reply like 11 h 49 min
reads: 9 h 00 min
